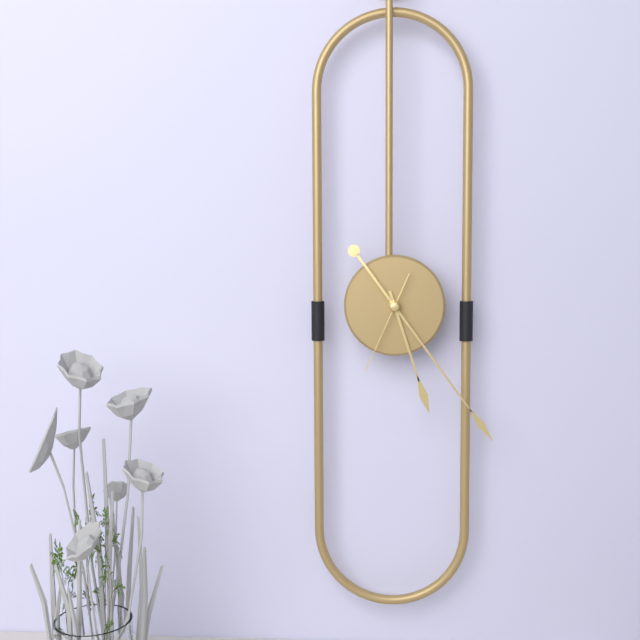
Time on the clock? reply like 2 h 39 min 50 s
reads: 5 h 24 min 34 s
